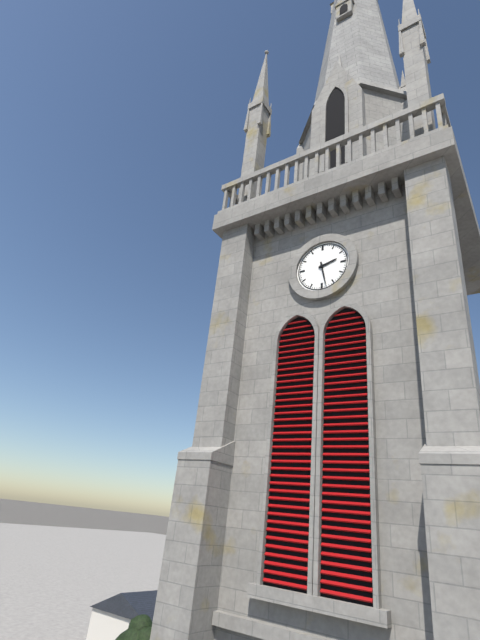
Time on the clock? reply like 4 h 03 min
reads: 2 h 28 min
